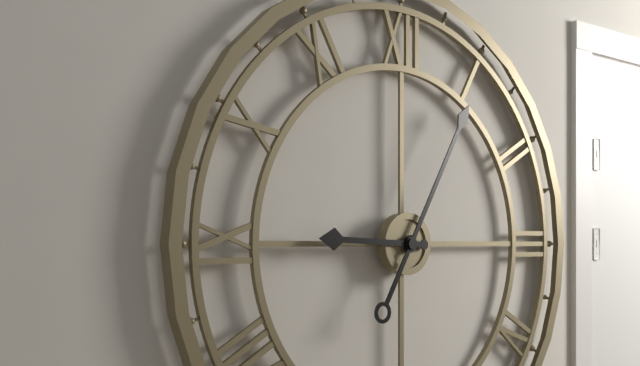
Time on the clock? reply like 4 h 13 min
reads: 9 h 05 min
